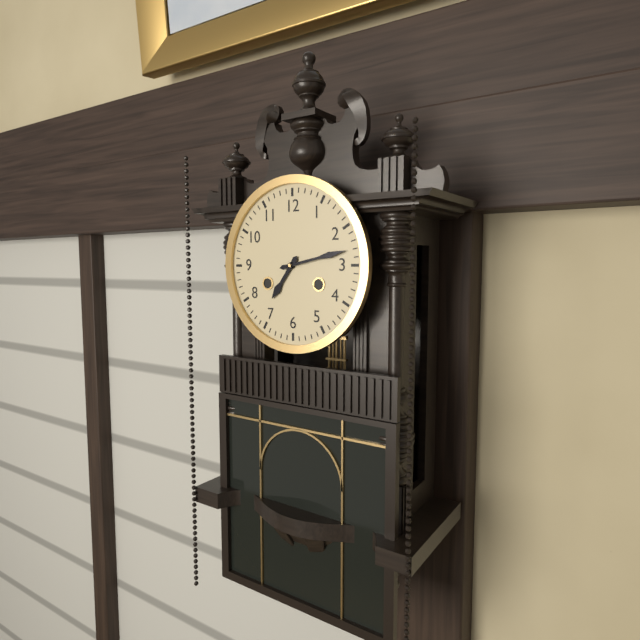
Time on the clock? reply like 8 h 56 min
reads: 7 h 13 min
